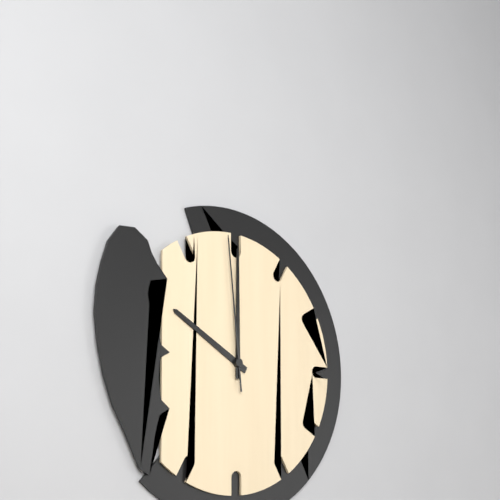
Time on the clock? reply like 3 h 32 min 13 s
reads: 10 h 00 min 59 s
